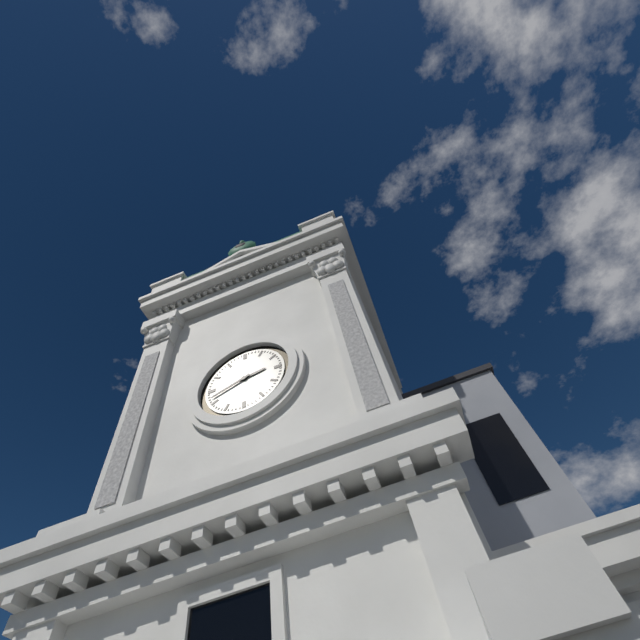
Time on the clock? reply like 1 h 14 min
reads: 2 h 42 min
